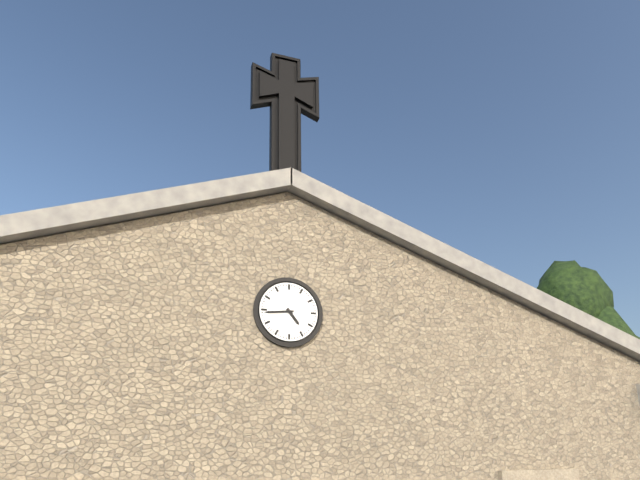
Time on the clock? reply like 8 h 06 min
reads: 4 h 44 min
